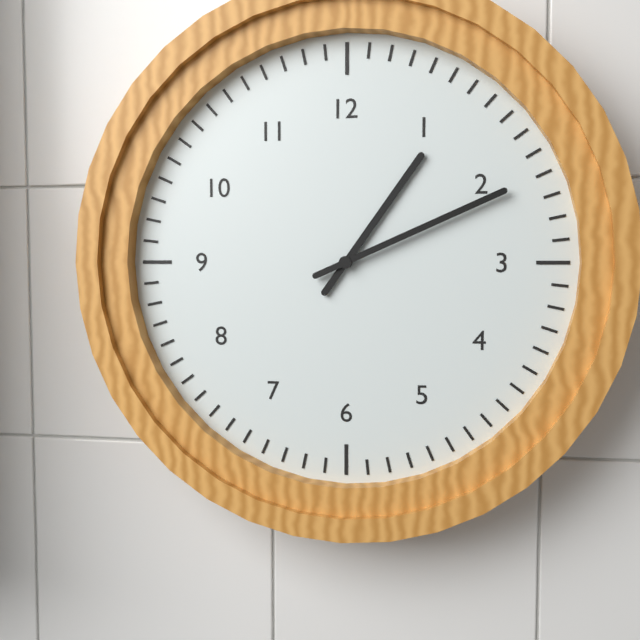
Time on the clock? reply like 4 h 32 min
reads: 1 h 11 min
